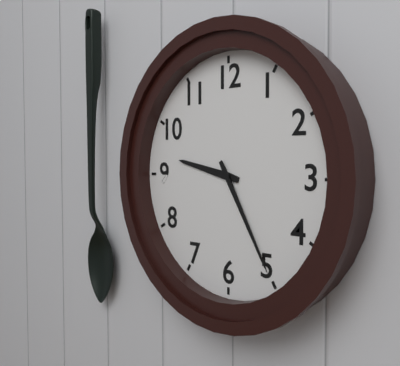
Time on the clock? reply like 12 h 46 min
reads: 9 h 25 min
